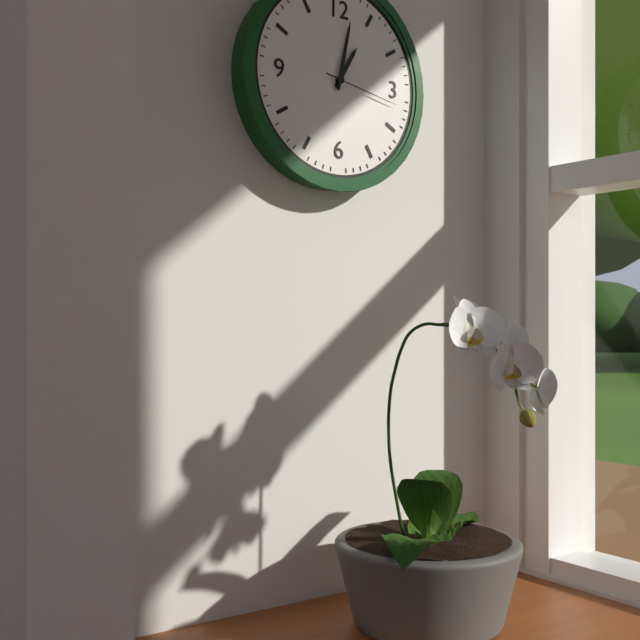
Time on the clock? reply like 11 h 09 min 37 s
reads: 1 h 02 min 17 s
